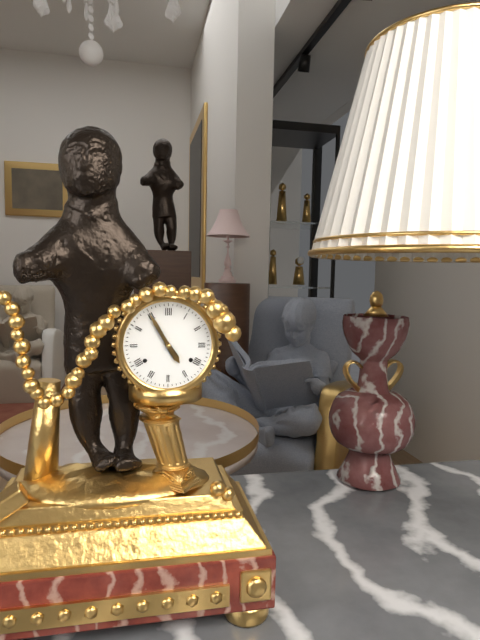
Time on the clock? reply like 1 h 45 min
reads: 4 h 55 min
